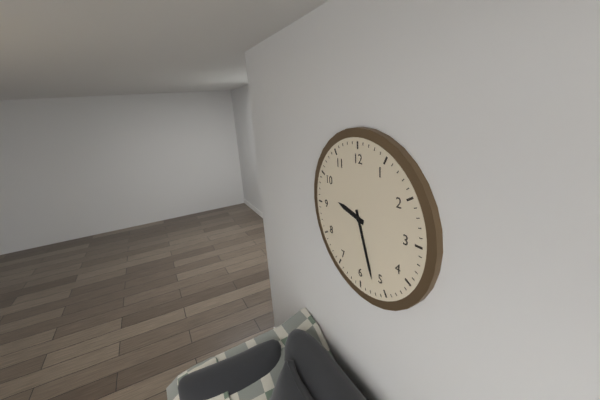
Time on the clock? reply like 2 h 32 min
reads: 9 h 27 min
